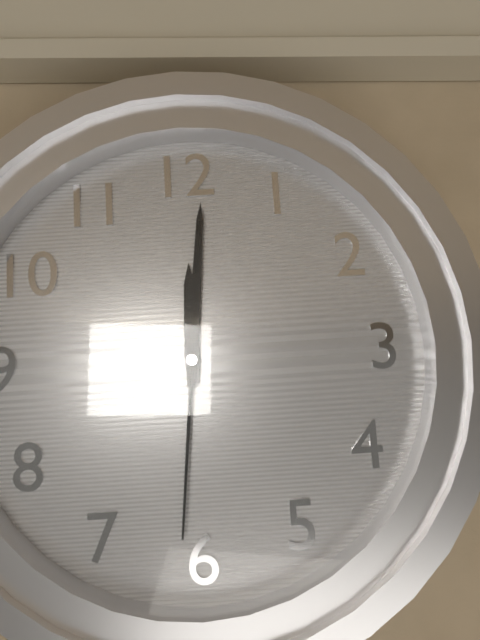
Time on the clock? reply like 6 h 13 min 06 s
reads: 12 h 01 min 31 s
